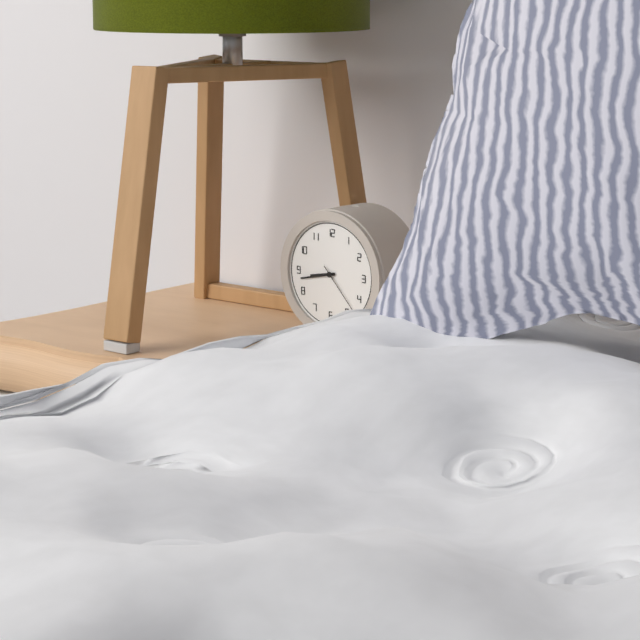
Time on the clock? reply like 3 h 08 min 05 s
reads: 8 h 43 min 23 s
